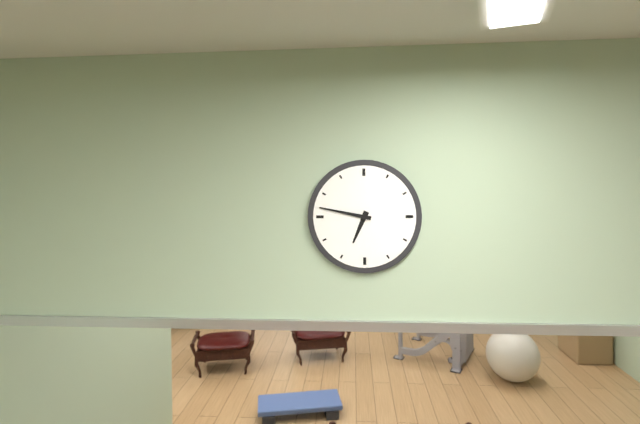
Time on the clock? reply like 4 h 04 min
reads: 6 h 47 min
